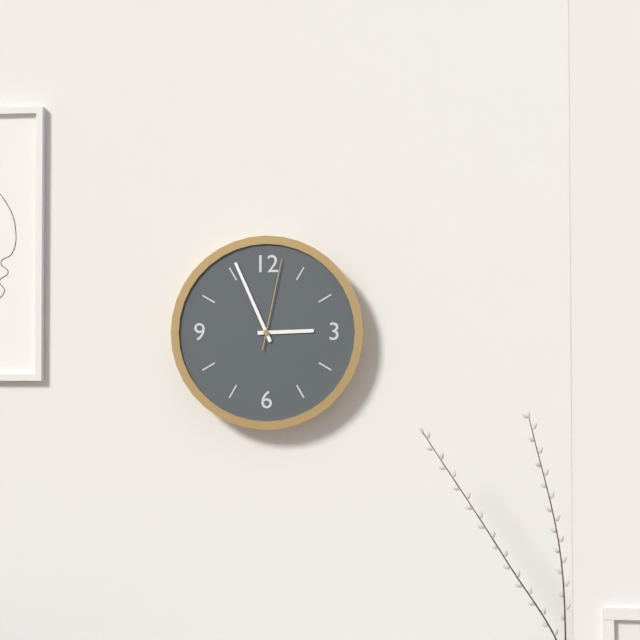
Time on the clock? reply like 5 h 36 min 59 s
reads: 2 h 56 min 02 s
